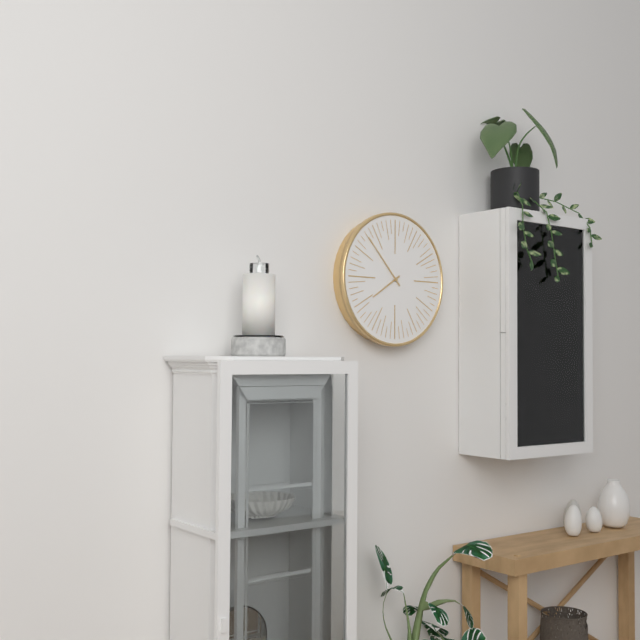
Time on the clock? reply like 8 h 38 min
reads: 7 h 53 min
